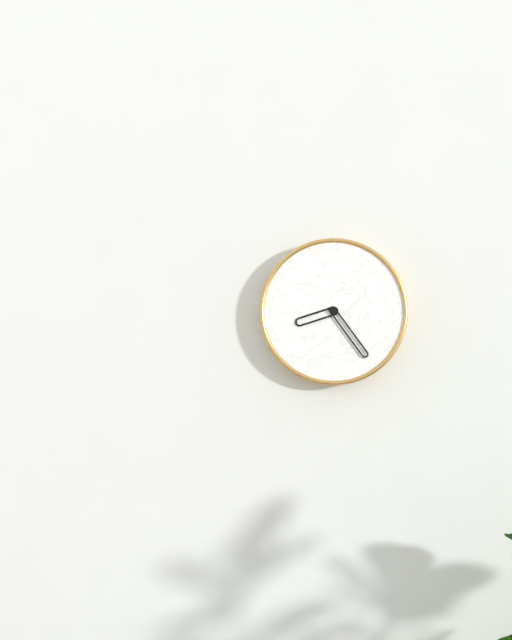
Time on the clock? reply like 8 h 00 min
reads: 8 h 24 min
